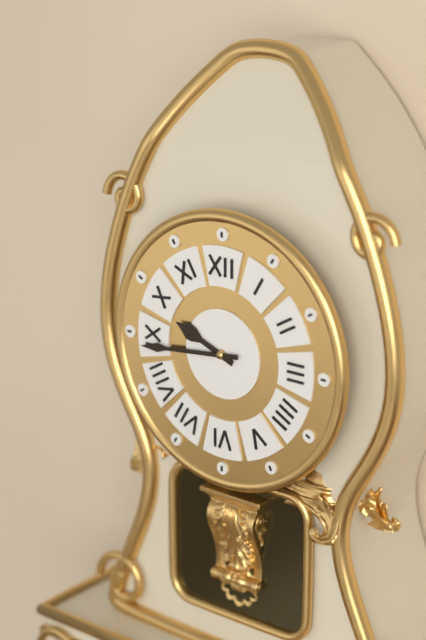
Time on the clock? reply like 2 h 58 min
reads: 9 h 44 min
